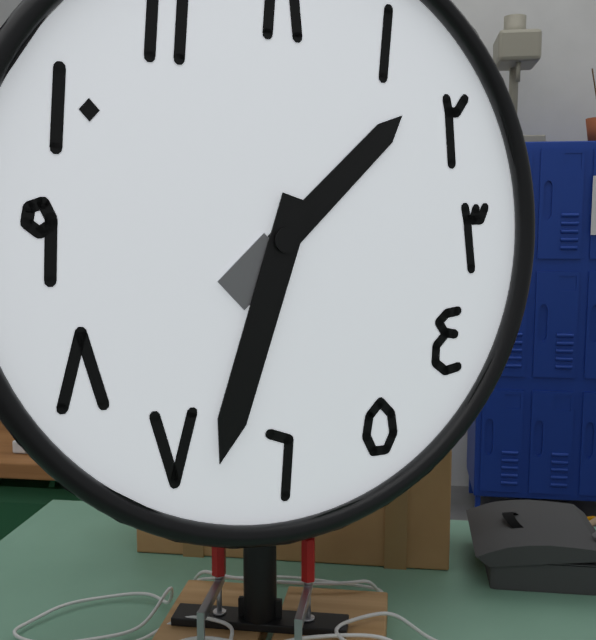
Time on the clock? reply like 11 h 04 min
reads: 1 h 33 min
